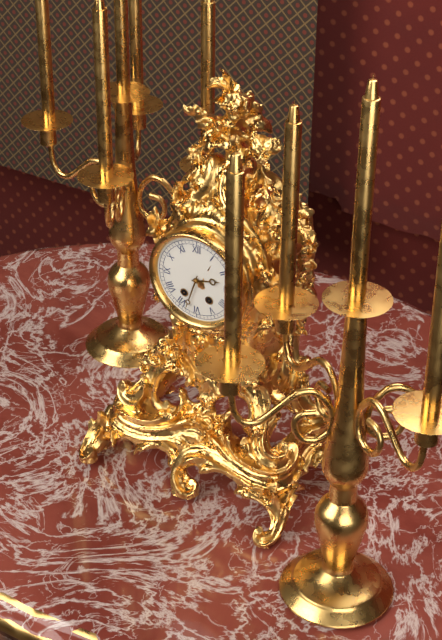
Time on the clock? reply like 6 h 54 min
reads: 2 h 33 min
